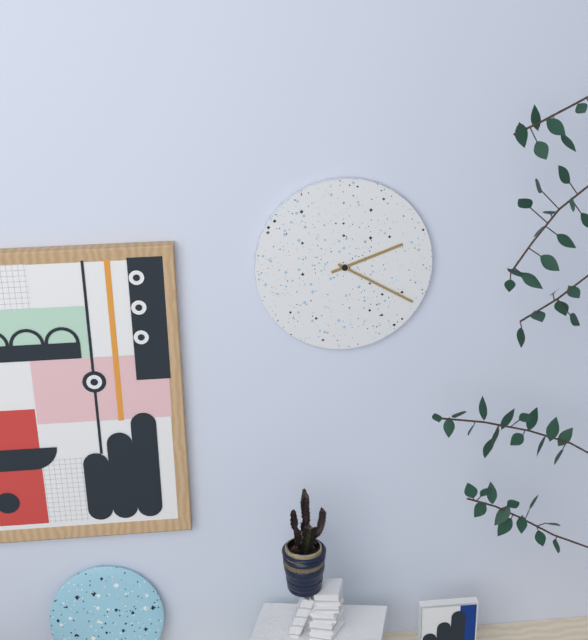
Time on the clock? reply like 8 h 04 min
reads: 2 h 20 min
